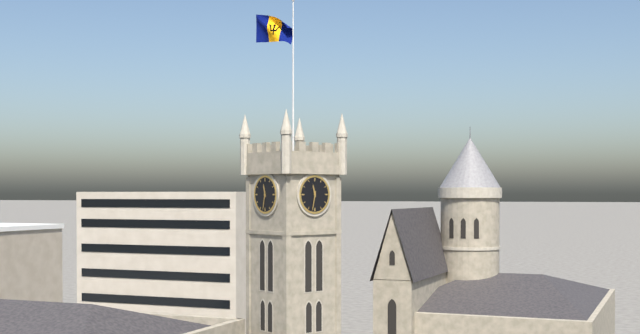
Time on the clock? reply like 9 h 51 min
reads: 11 h 32 min
